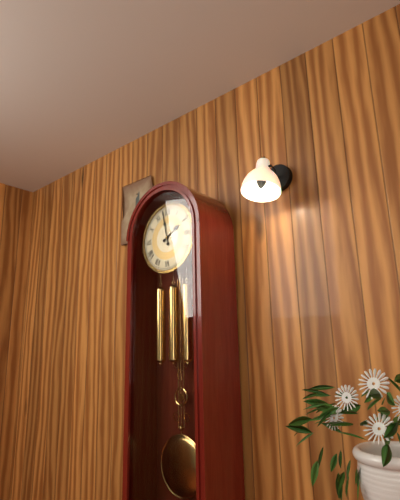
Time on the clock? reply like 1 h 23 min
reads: 1 h 58 min
